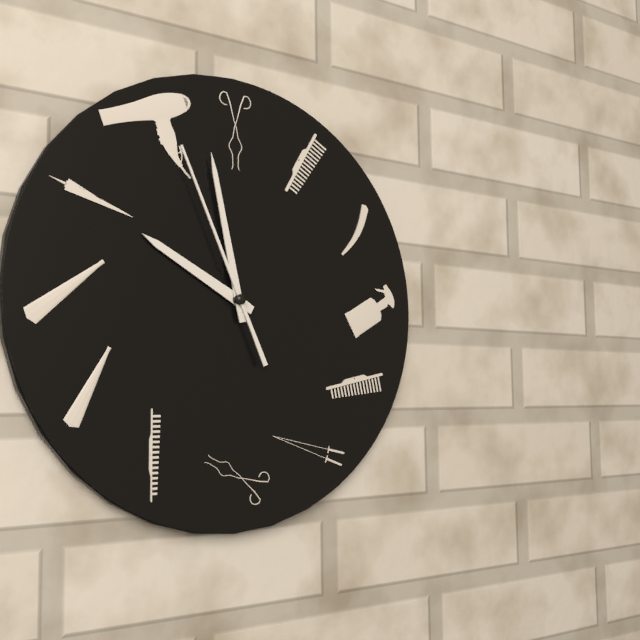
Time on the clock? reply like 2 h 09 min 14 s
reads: 9 h 58 min 56 s
